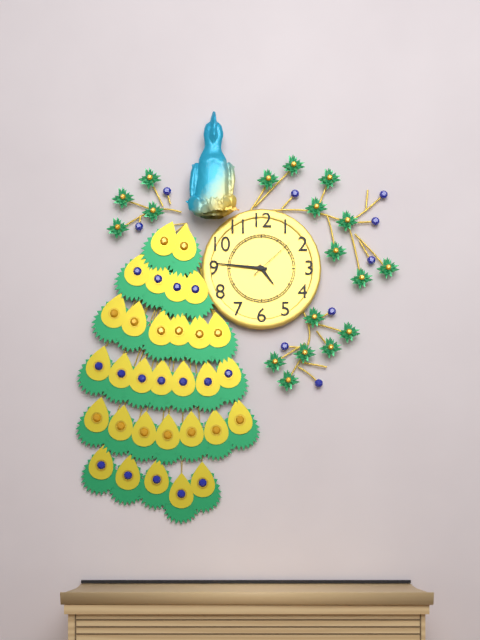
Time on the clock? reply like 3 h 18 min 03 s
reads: 4 h 46 min 08 s
